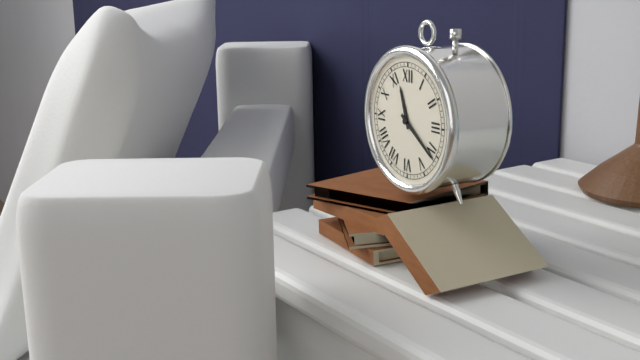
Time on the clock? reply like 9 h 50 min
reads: 11 h 21 min
